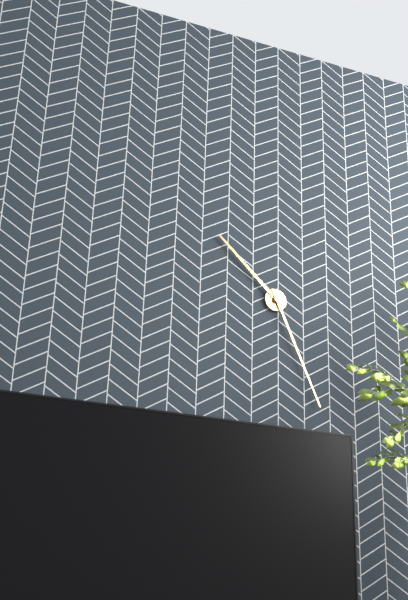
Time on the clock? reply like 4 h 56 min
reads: 10 h 26 min
